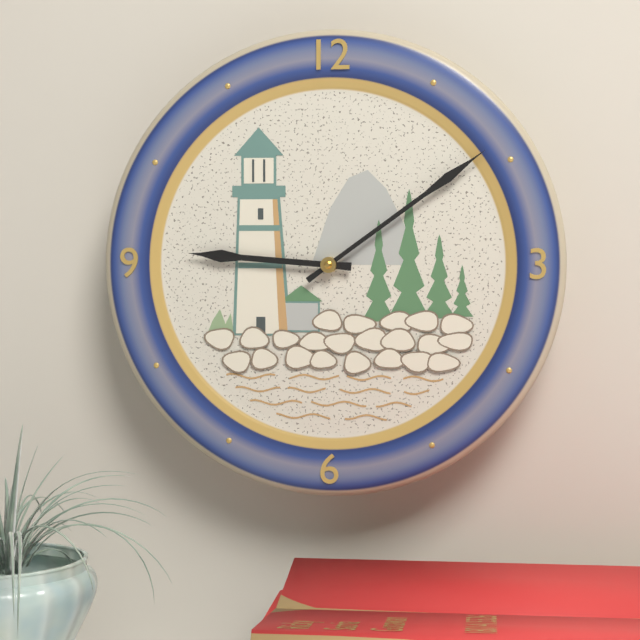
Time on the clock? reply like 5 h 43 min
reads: 9 h 09 min
